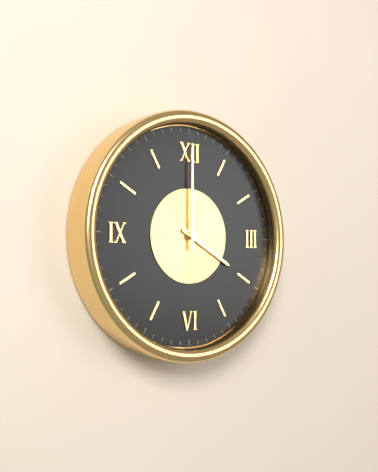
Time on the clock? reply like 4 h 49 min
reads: 4 h 00 min
